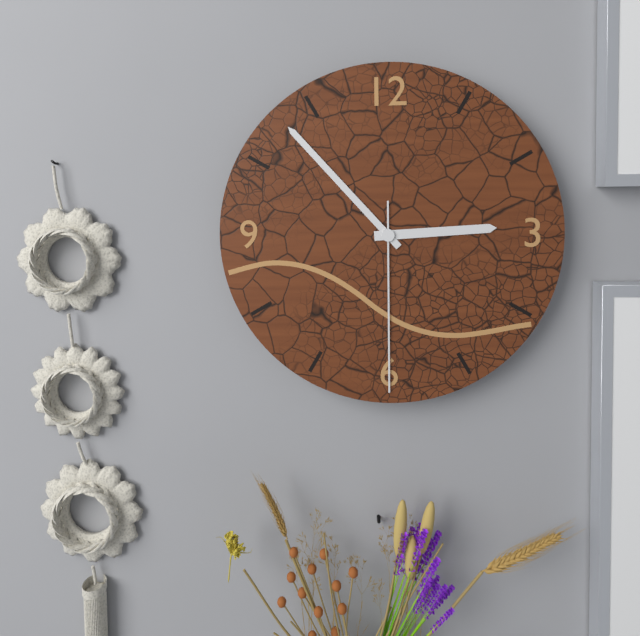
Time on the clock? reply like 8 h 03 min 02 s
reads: 2 h 53 min 30 s
